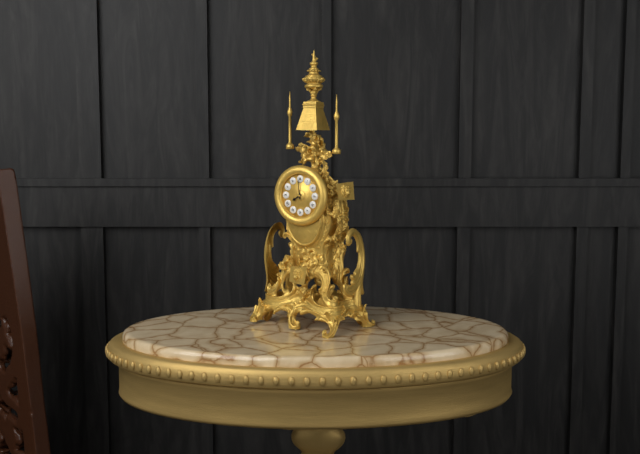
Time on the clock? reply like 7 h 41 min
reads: 7 h 59 min
